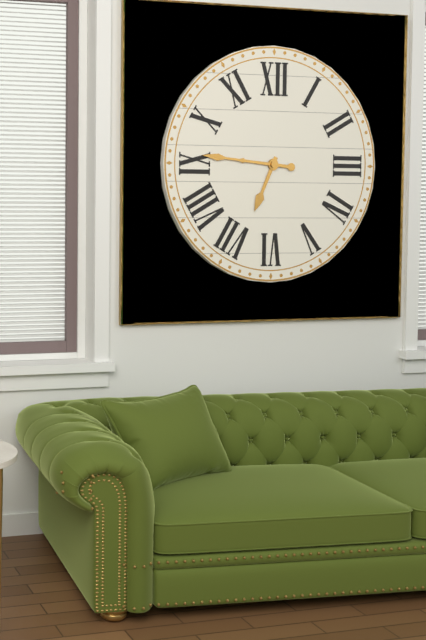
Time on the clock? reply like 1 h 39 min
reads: 6 h 46 min
